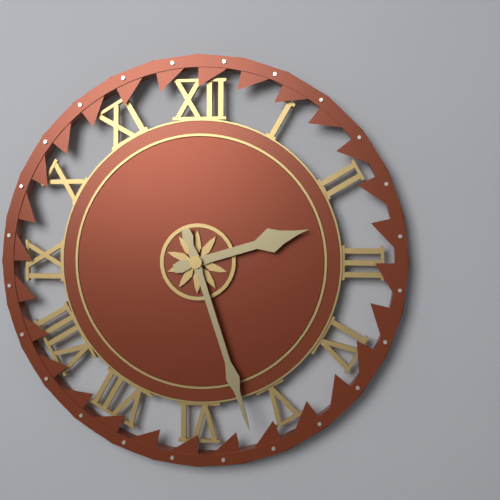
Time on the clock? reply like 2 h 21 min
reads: 2 h 27 min
